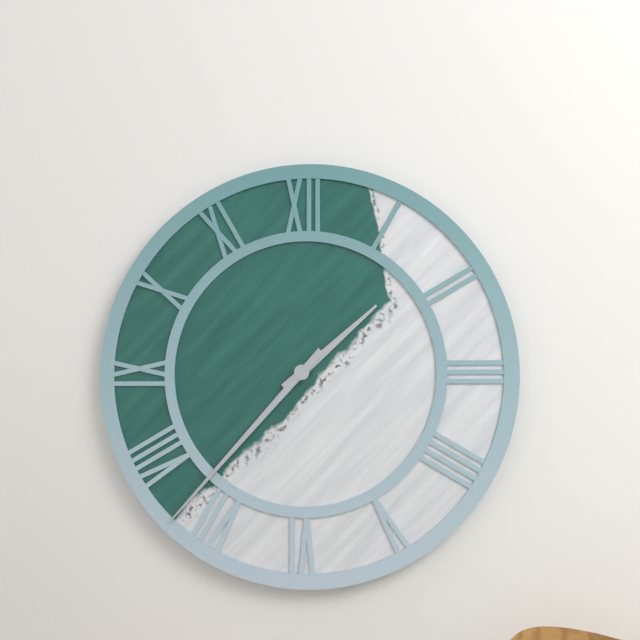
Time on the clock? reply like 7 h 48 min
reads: 1 h 37 min
